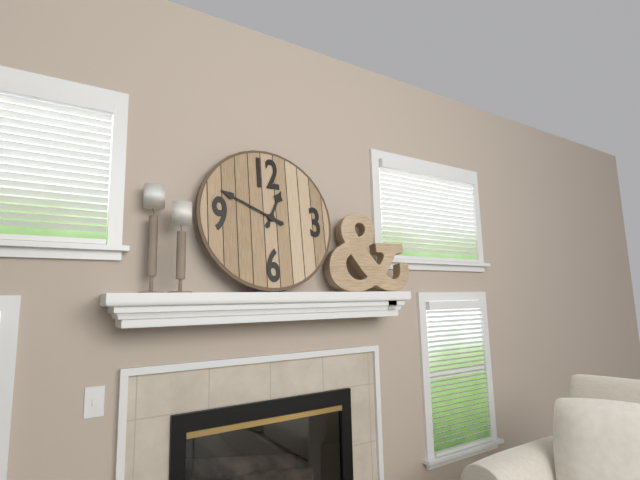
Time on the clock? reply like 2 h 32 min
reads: 12 h 49 min
